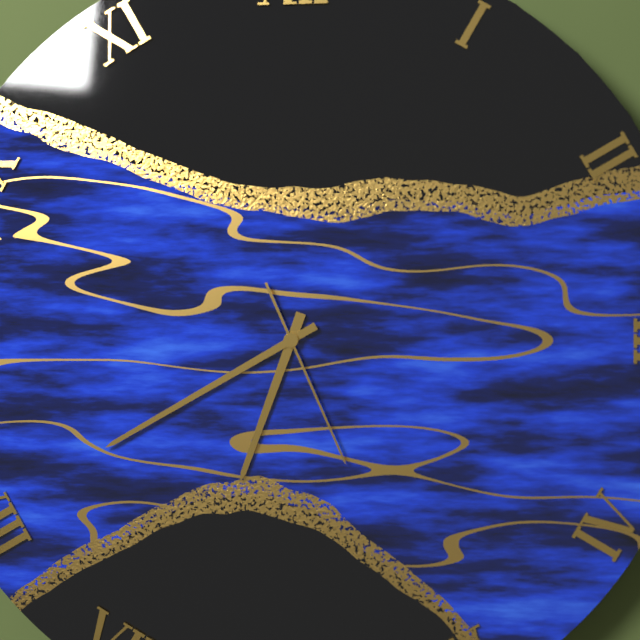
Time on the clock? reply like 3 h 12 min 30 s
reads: 6 h 40 min 26 s
